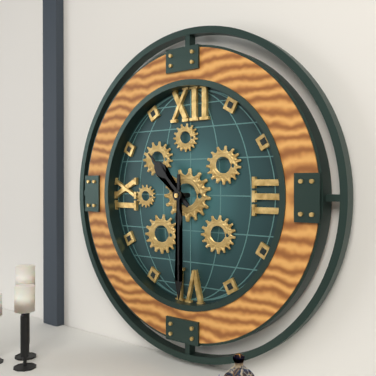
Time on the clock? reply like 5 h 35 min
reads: 10 h 30 min
